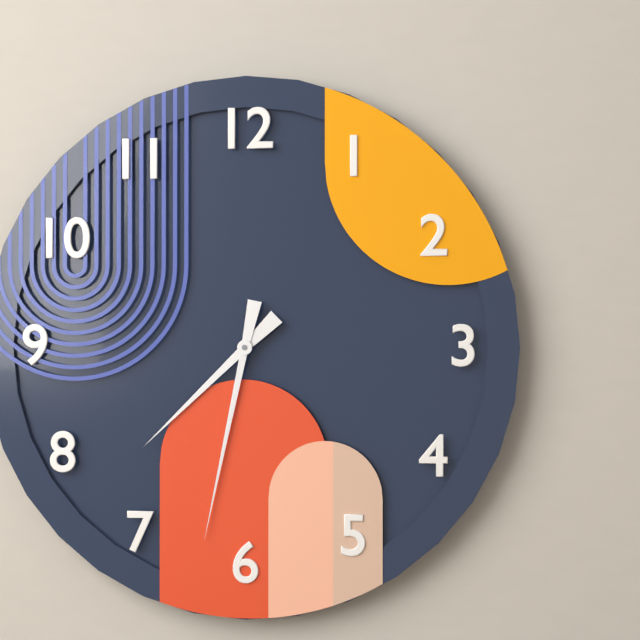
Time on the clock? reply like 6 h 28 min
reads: 7 h 32 min
